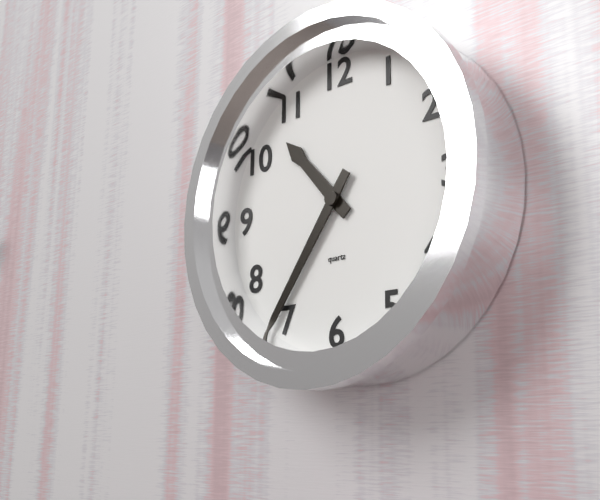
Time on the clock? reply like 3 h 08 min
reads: 10 h 36 min
